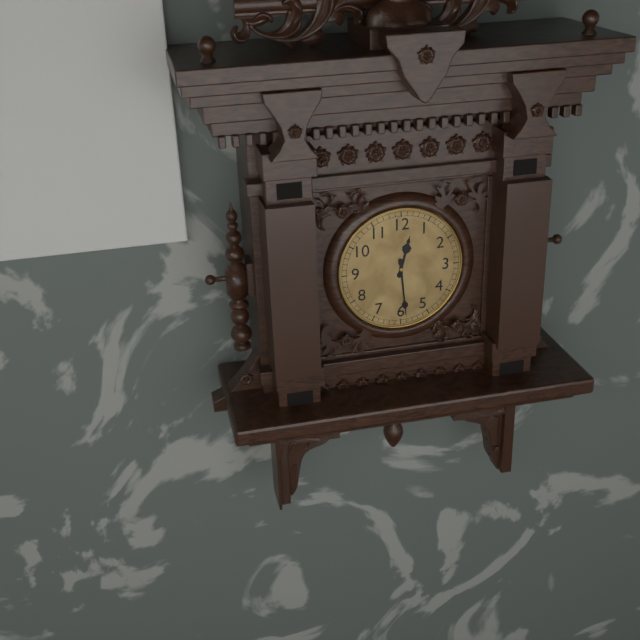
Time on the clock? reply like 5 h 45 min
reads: 12 h 29 min
